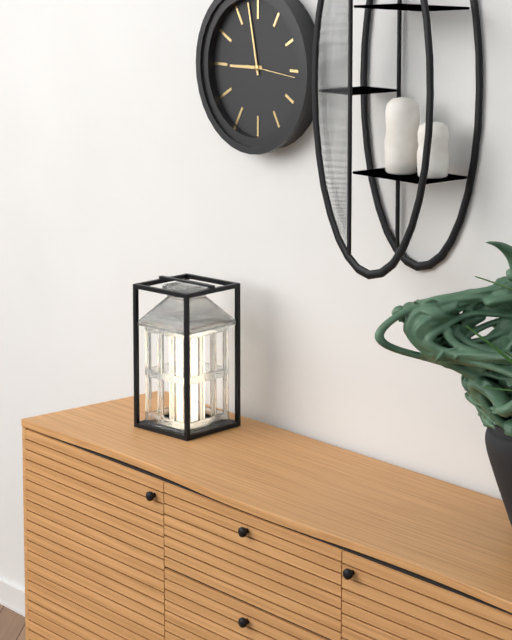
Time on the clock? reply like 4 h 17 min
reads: 8 h 58 min
